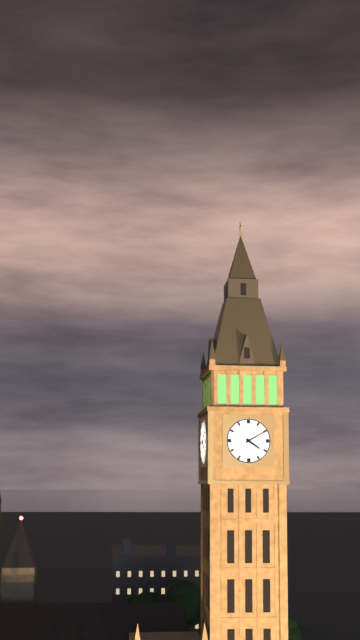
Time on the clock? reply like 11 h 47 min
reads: 4 h 10 min
